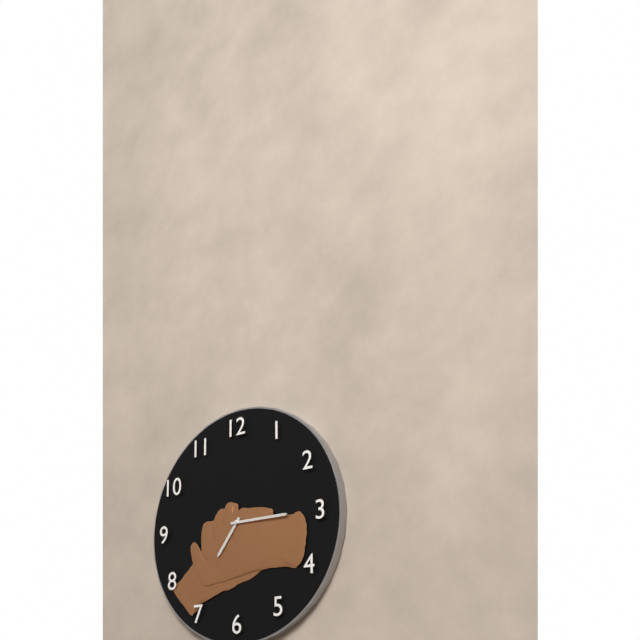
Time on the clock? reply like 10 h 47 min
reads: 7 h 15 min
